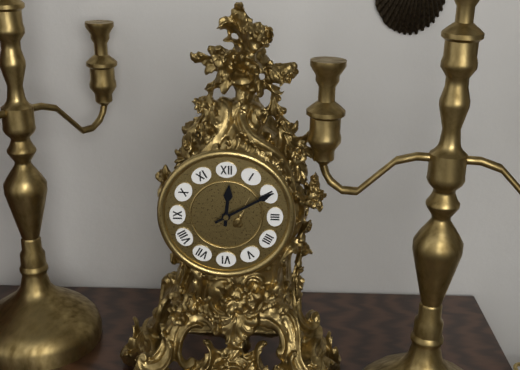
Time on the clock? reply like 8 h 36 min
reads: 12 h 10 min
